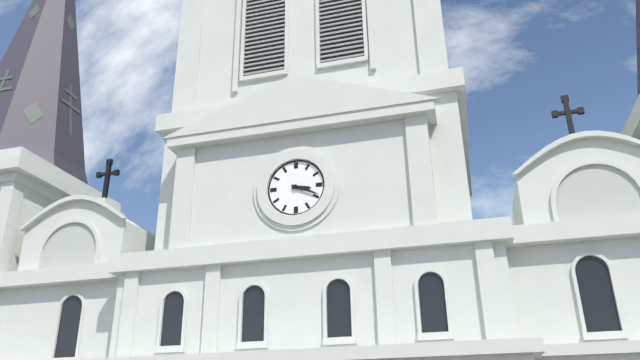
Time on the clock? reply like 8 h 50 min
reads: 3 h 19 min
